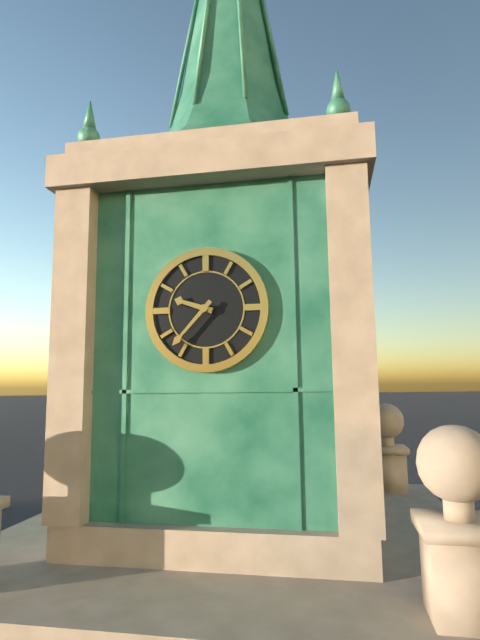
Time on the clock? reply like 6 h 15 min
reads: 9 h 37 min
